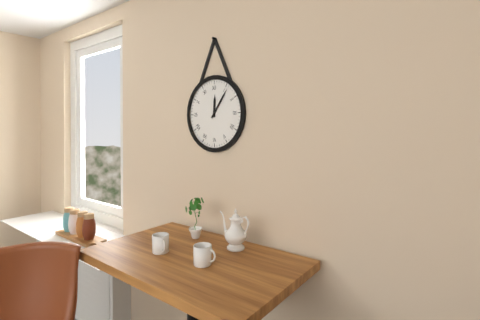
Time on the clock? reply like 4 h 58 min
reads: 12 h 06 min
